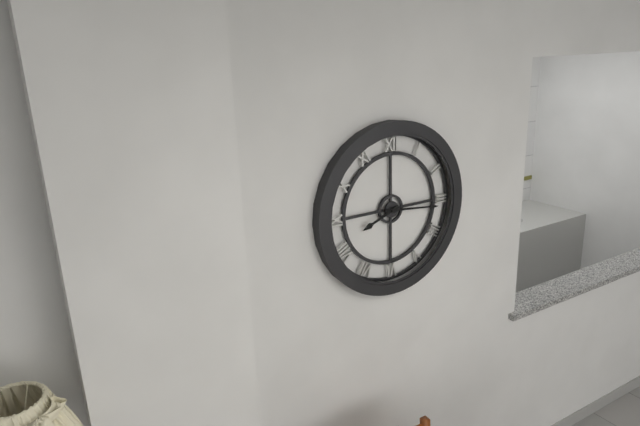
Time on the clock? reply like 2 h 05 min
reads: 8 h 16 min
